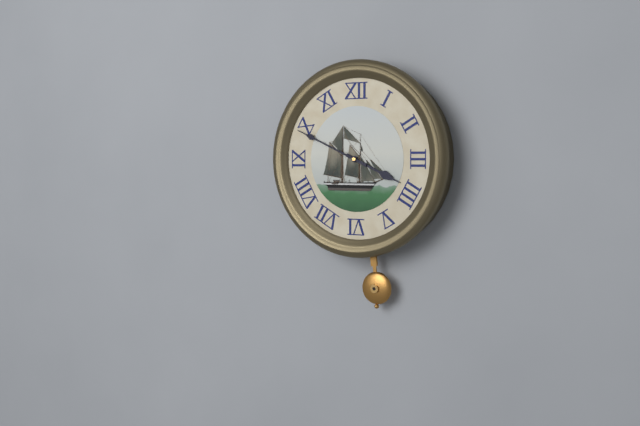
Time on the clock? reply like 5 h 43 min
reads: 3 h 49 min
